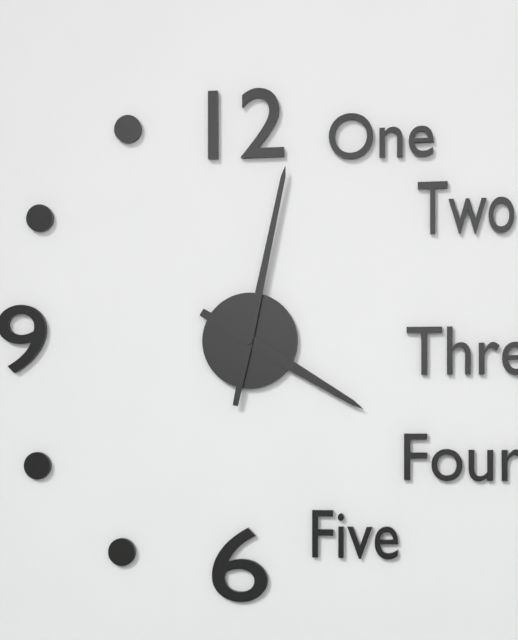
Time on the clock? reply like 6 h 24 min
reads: 4 h 02 min
